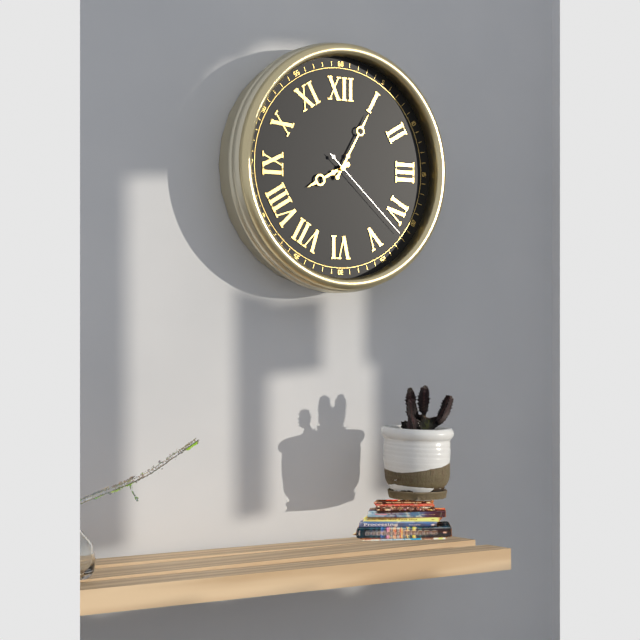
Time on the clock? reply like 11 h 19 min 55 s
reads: 8 h 05 min 22 s
